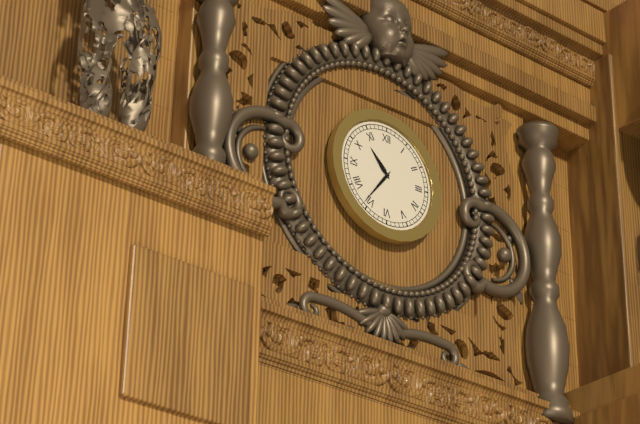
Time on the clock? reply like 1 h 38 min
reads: 10 h 36 min
